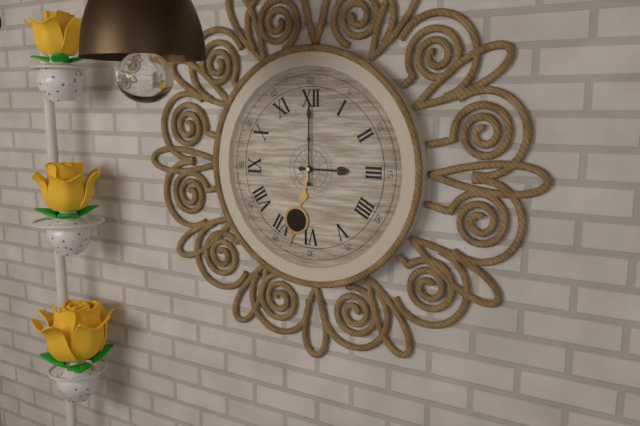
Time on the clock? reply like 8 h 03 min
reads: 3 h 00 min
